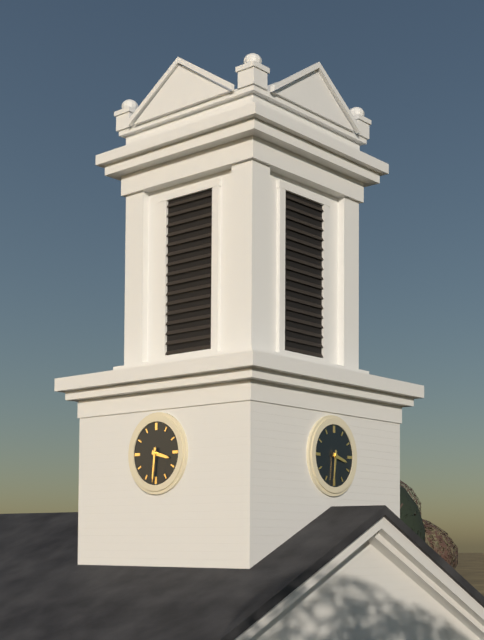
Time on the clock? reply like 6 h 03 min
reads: 3 h 31 min
